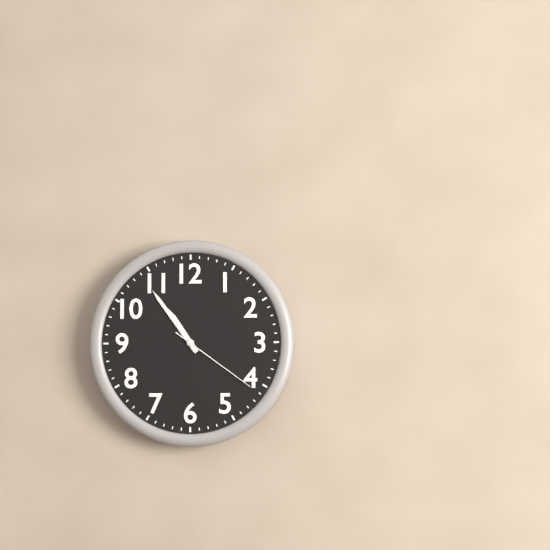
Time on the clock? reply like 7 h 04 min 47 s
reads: 10 h 54 min 21 s
